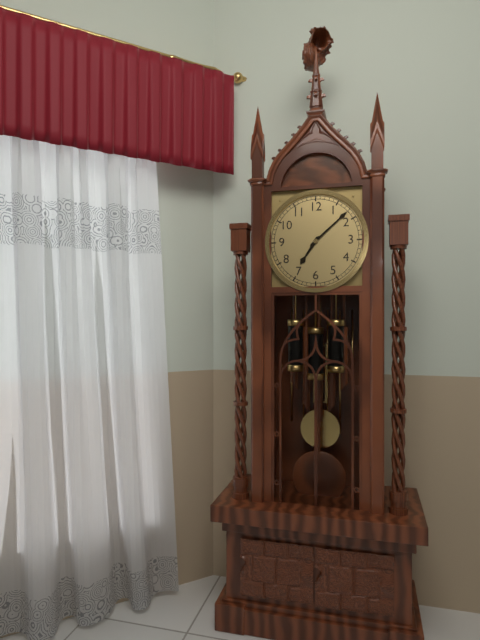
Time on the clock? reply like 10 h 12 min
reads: 7 h 08 min
